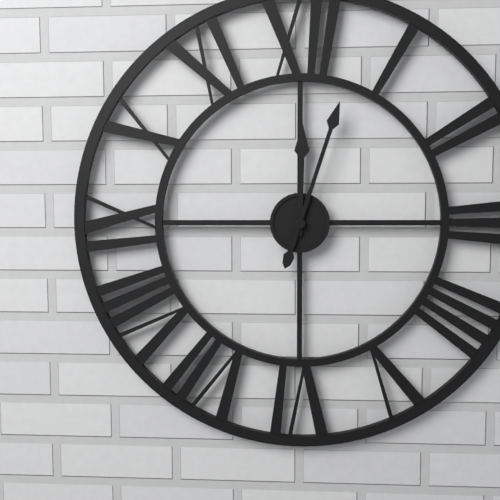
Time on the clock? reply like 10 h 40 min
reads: 12 h 03 min
